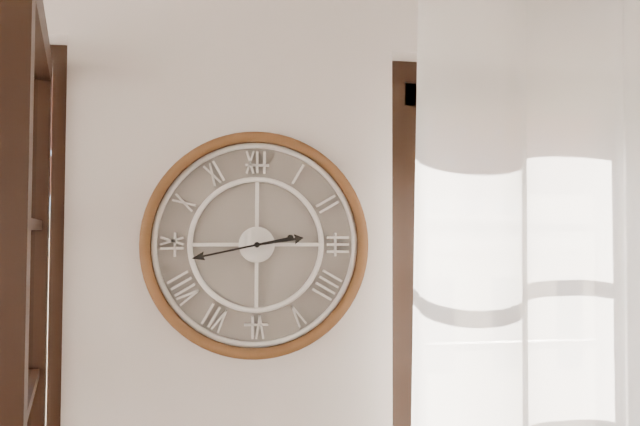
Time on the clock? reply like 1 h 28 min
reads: 2 h 43 min
